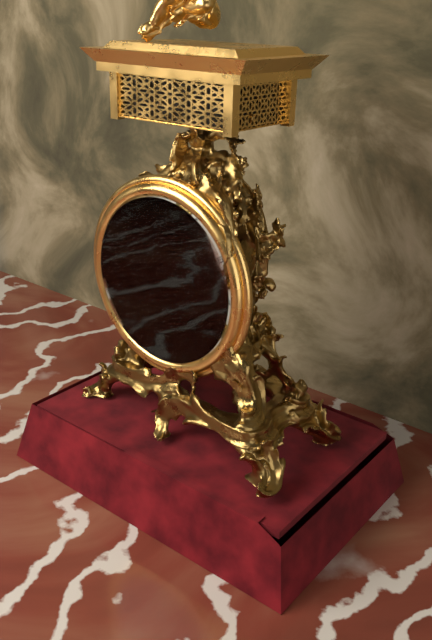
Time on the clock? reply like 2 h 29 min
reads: 2 h 31 min
